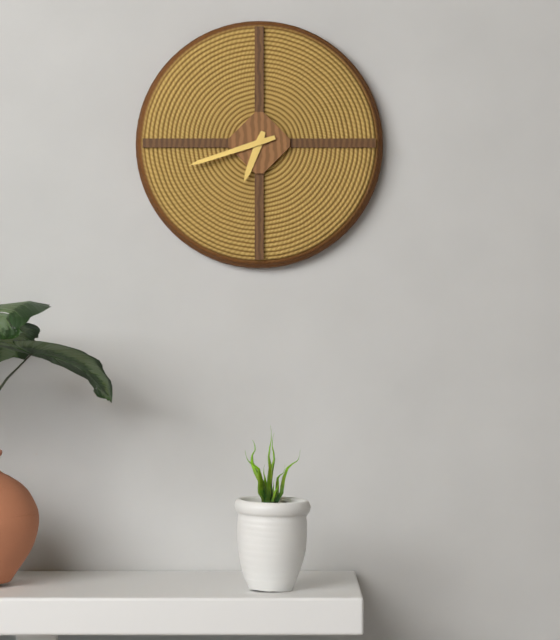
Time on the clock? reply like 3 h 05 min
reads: 6 h 42 min
